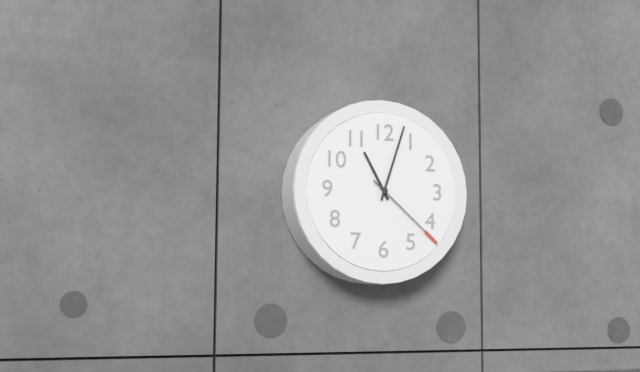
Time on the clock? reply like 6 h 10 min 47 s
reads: 11 h 03 min 22 s
